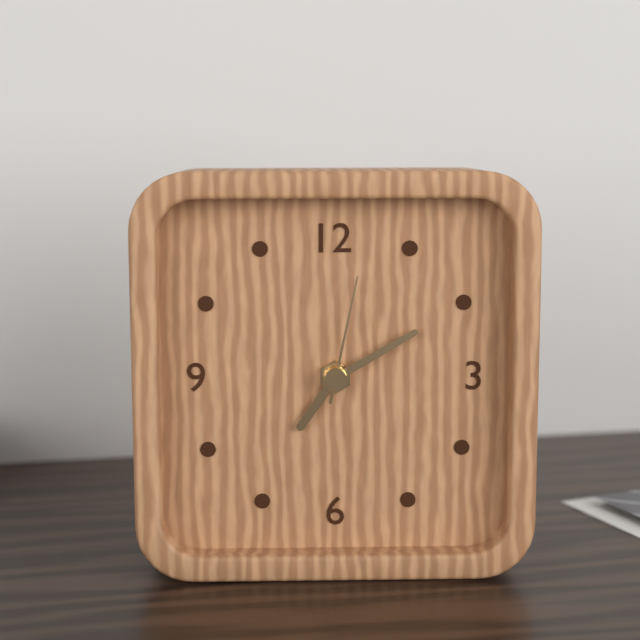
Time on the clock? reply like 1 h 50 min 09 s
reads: 7 h 10 min 02 s
